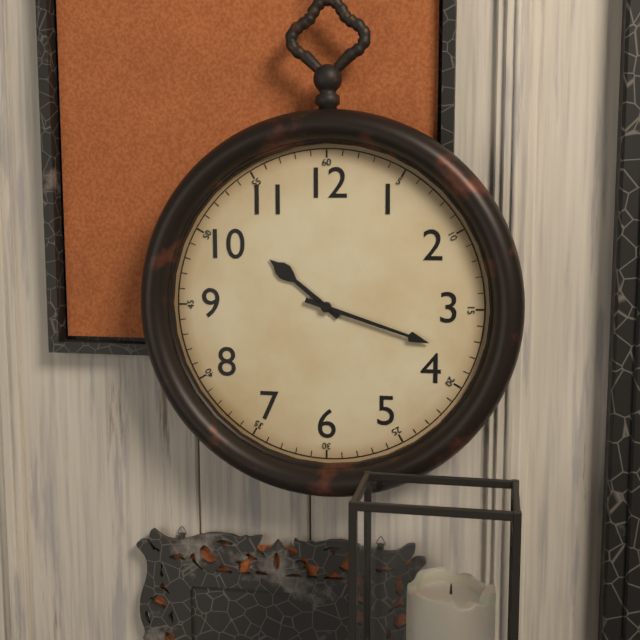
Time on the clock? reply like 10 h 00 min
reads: 10 h 18 min
